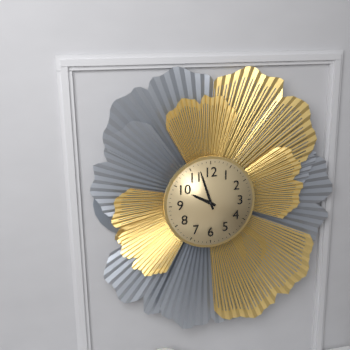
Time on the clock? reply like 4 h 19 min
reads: 9 h 57 min
